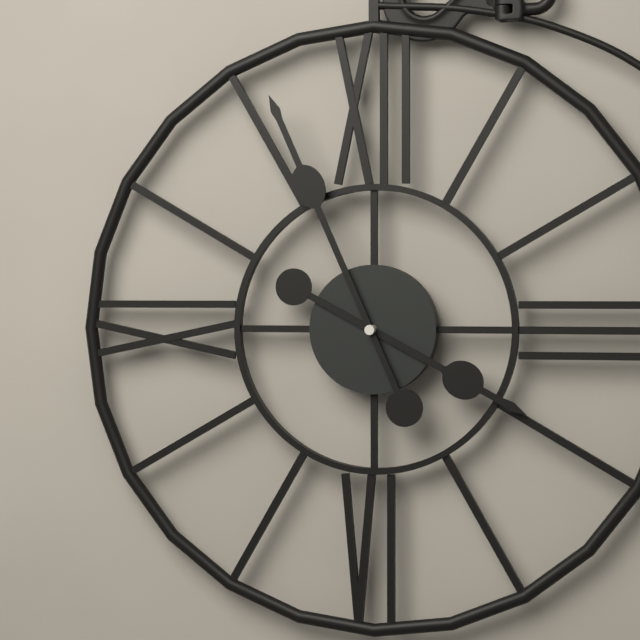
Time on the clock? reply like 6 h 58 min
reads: 3 h 56 min
